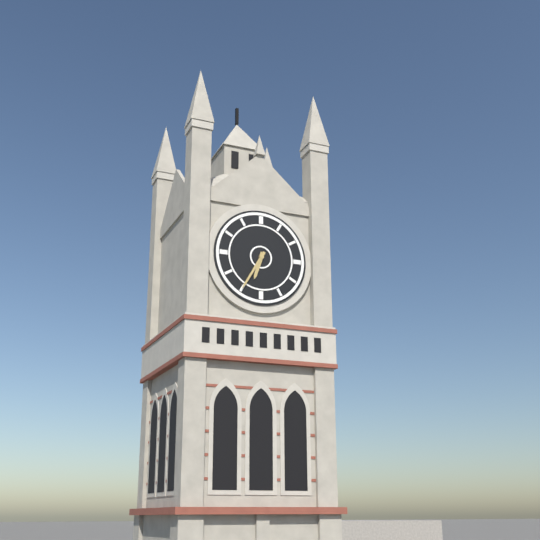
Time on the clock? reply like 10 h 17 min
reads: 6 h 35 min
